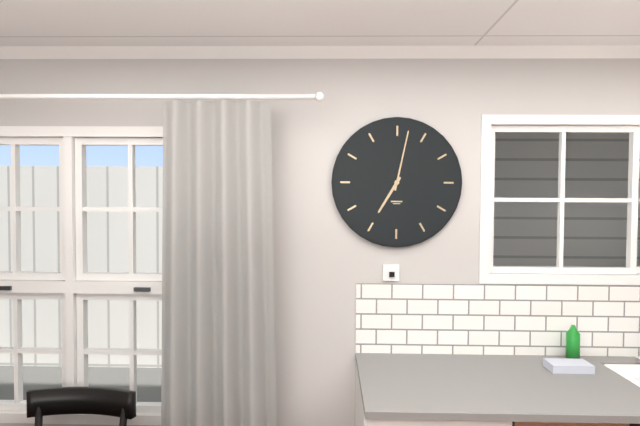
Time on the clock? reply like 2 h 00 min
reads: 7 h 02 min
